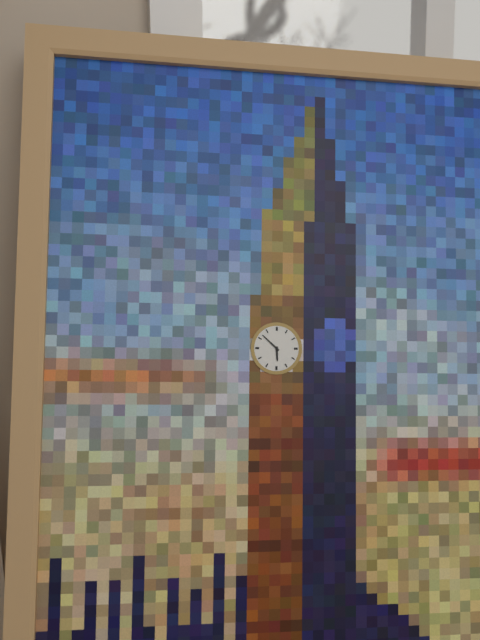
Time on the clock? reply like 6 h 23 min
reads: 5 h 52 min
